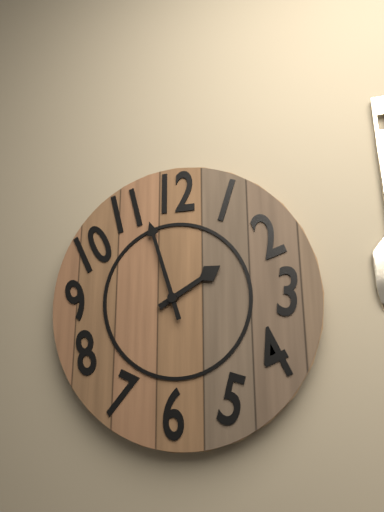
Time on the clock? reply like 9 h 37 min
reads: 1 h 57 min
